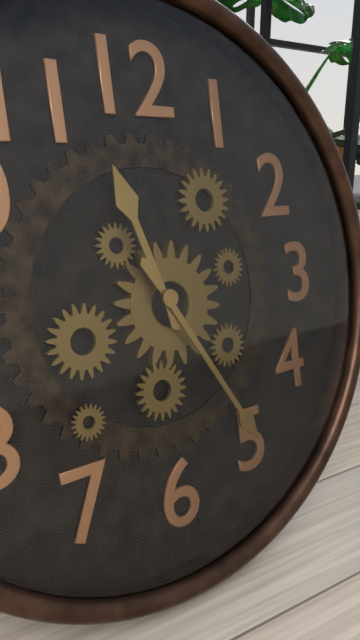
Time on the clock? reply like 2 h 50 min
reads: 11 h 25 min
